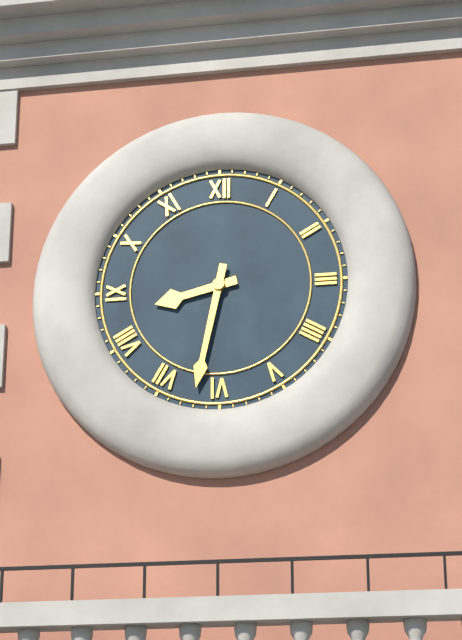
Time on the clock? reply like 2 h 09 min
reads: 8 h 32 min
